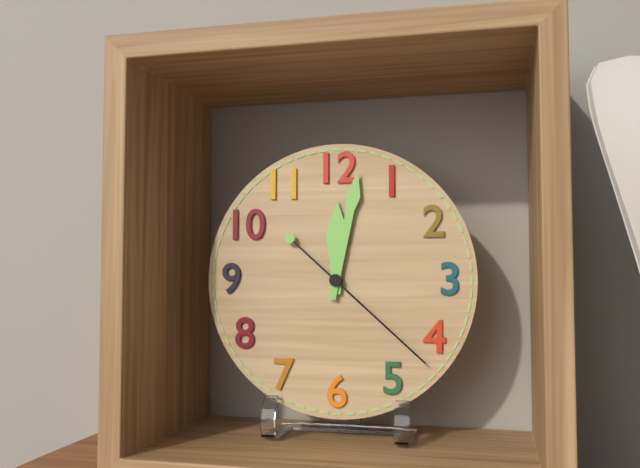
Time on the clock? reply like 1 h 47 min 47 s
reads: 12 h 02 min 22 s
